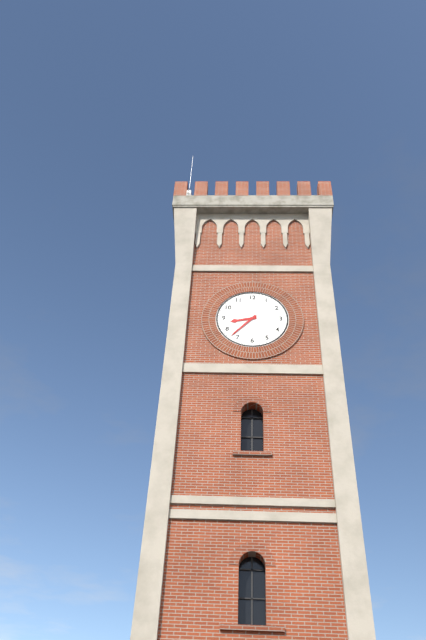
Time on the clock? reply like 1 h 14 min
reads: 8 h 37 min
